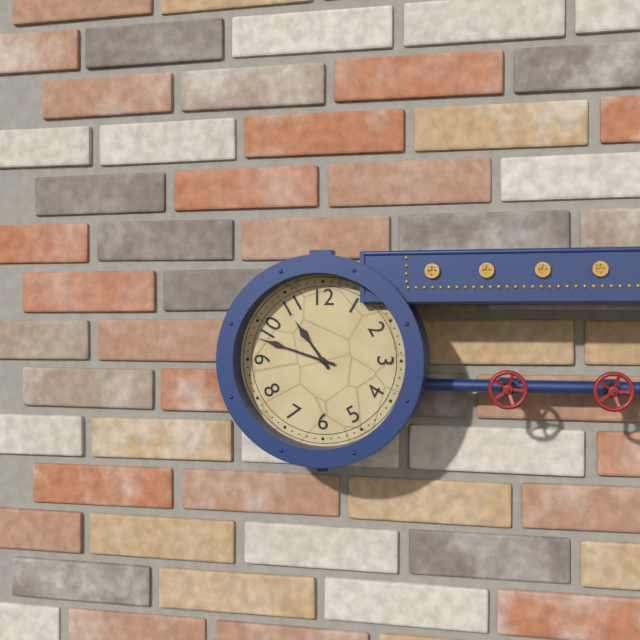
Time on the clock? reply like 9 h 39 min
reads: 10 h 48 min
